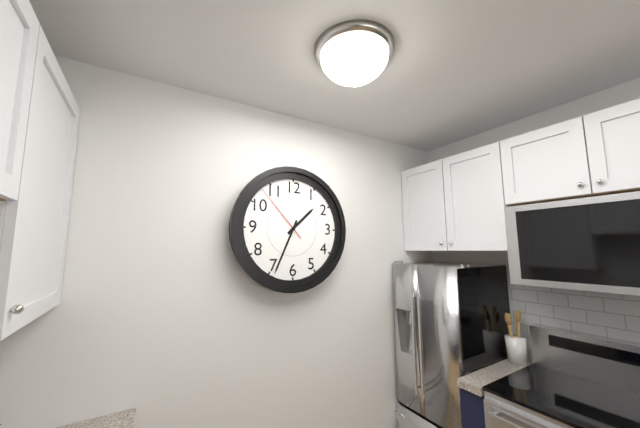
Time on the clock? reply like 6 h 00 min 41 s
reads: 1 h 34 min 53 s
